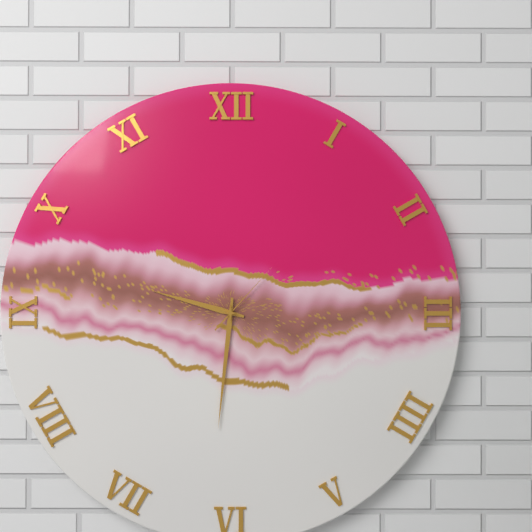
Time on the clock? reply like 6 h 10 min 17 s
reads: 9 h 31 min 07 s
